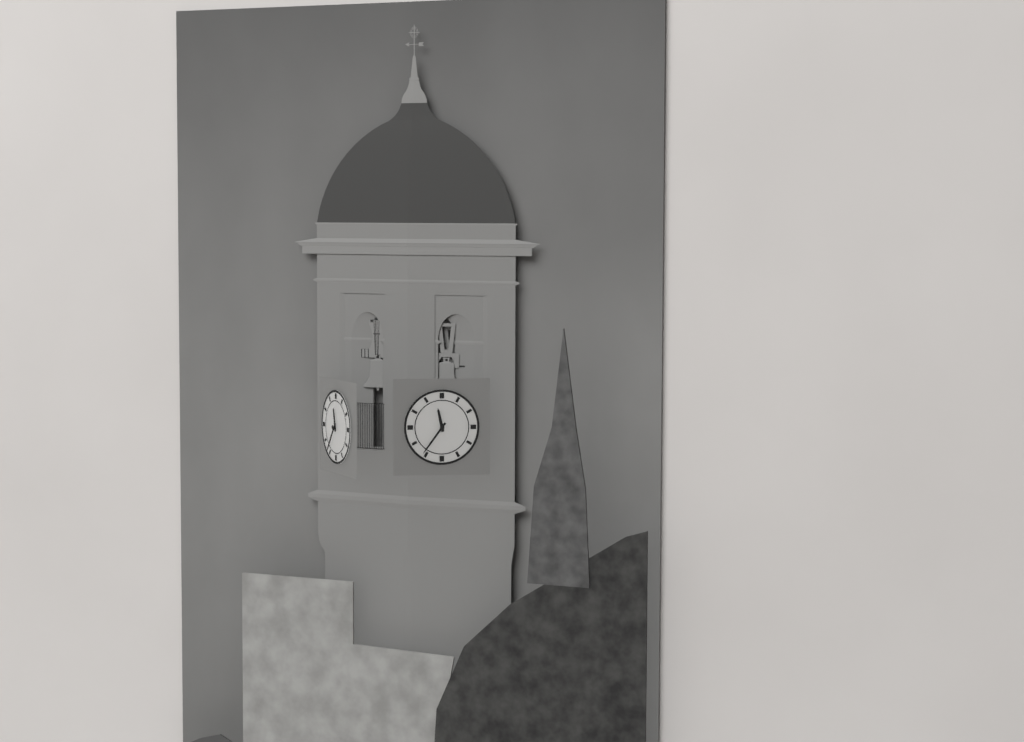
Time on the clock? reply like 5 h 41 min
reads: 11 h 36 min
